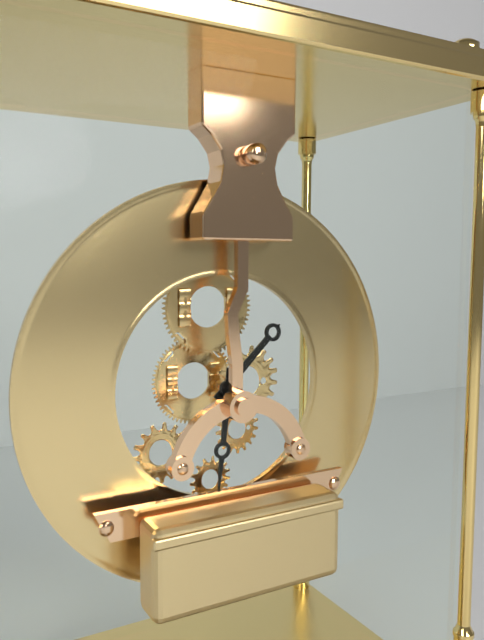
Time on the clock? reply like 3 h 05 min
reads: 1 h 31 min
